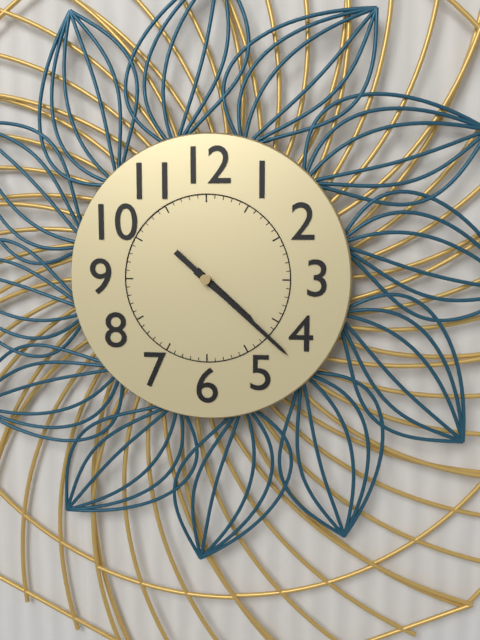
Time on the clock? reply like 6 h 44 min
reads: 4 h 22 min
